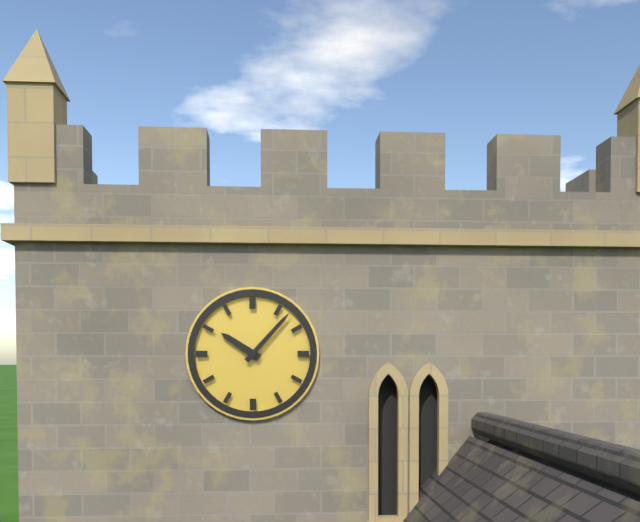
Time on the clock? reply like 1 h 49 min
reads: 10 h 07 min
